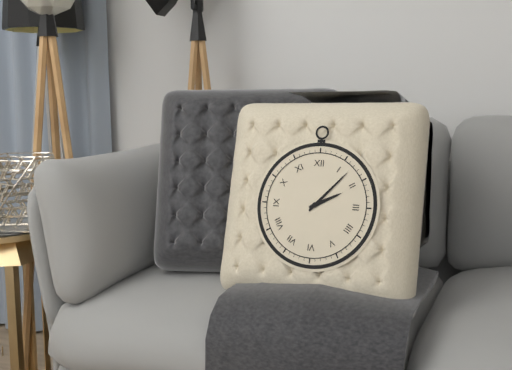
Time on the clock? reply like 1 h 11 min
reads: 2 h 07 min
